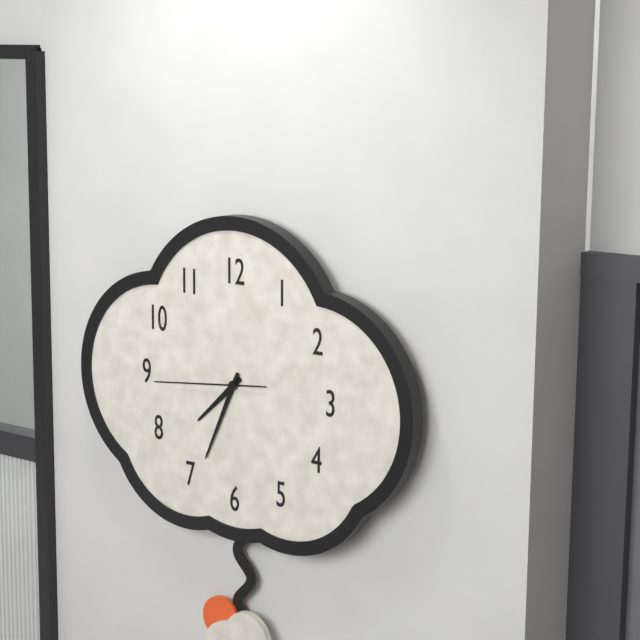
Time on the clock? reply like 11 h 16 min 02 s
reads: 7 h 34 min 44 s
